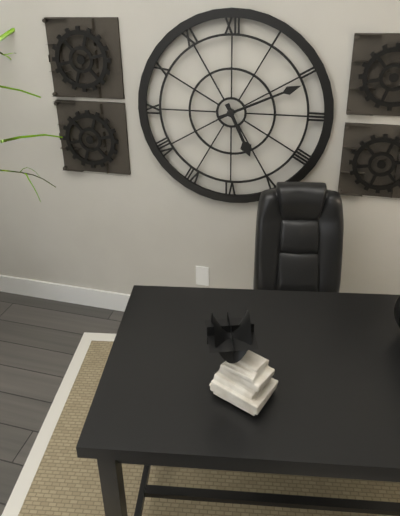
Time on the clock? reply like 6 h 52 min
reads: 5 h 11 min
